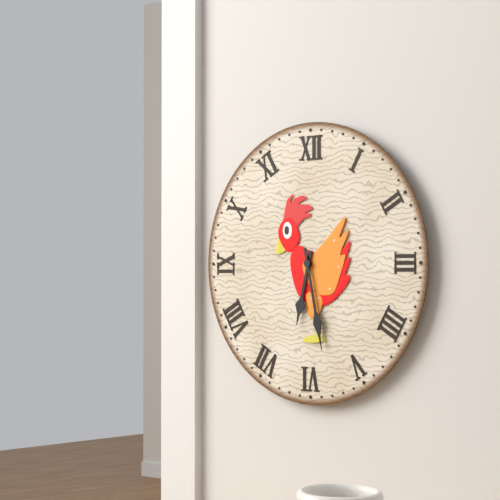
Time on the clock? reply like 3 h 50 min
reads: 6 h 28 min
